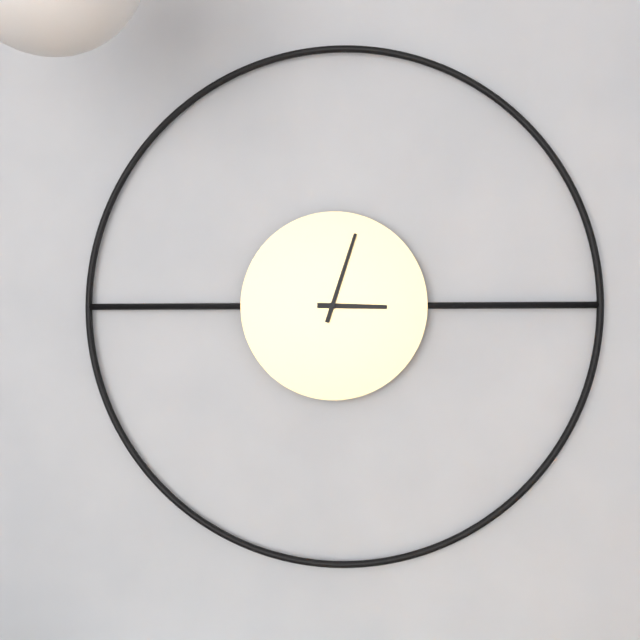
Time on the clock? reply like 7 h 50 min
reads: 3 h 03 min
